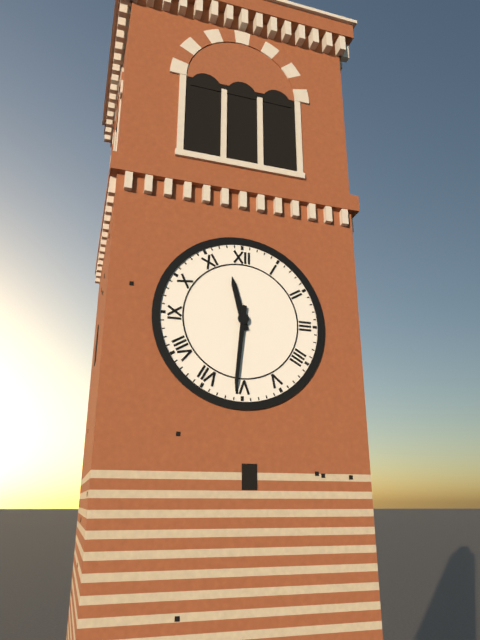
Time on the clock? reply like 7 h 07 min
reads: 11 h 31 min
